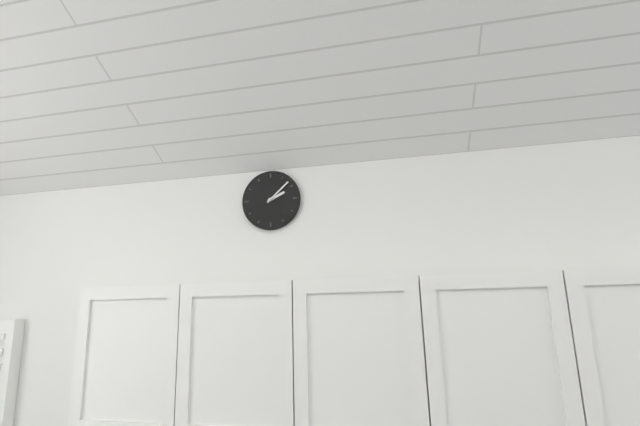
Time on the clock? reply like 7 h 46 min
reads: 2 h 08 min
